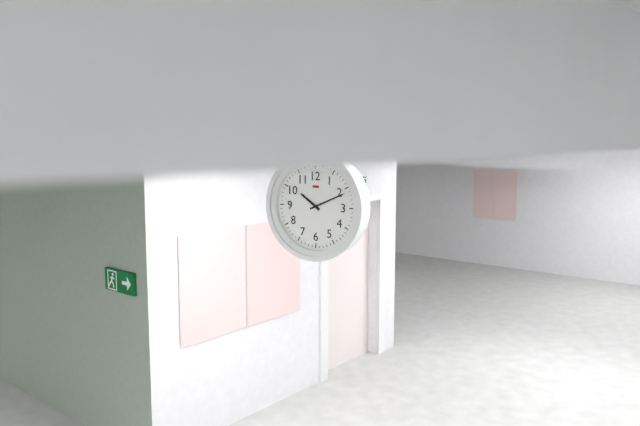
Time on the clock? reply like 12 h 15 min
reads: 10 h 11 min
